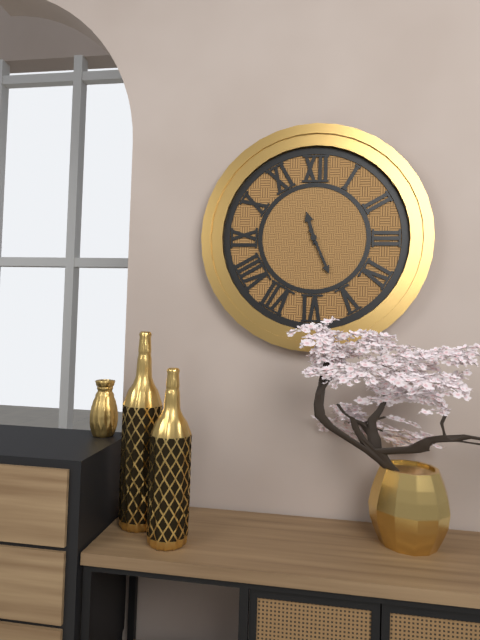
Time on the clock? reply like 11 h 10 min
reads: 11 h 26 min
